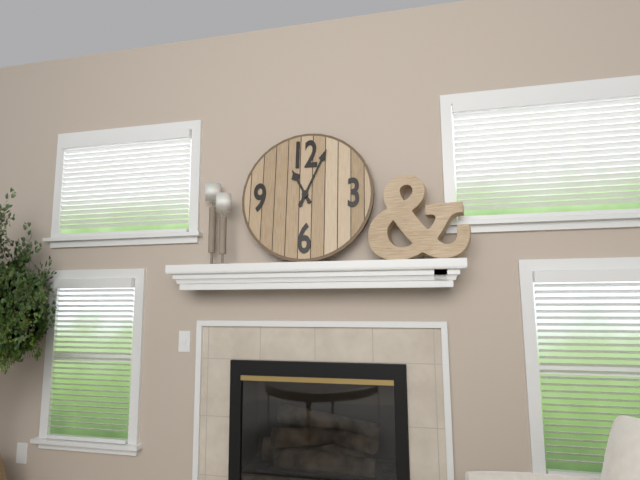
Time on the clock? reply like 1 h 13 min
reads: 11 h 04 min
